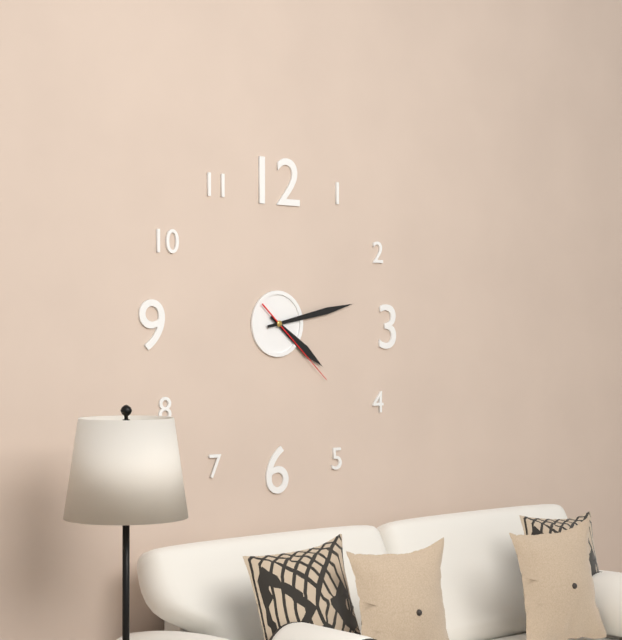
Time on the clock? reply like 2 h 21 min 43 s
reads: 4 h 13 min 22 s
